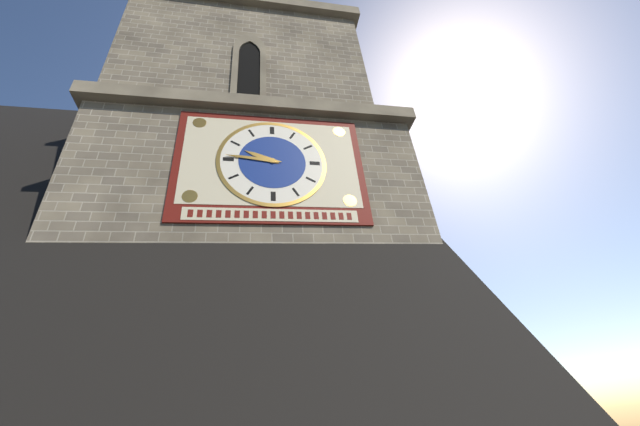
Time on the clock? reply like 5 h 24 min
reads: 9 h 46 min
